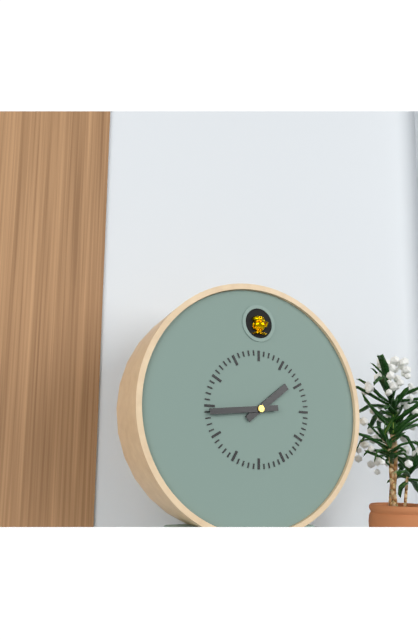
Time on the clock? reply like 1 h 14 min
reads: 1 h 44 min
